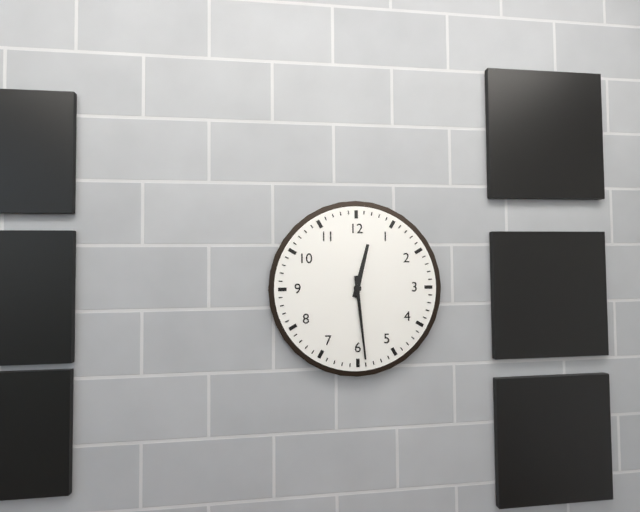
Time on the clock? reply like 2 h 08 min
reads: 12 h 29 min
